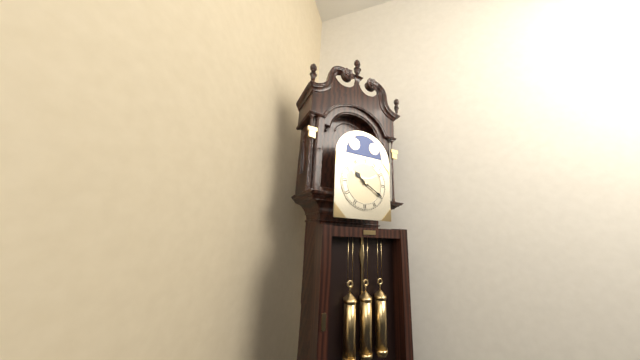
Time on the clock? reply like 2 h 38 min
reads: 10 h 20 min
